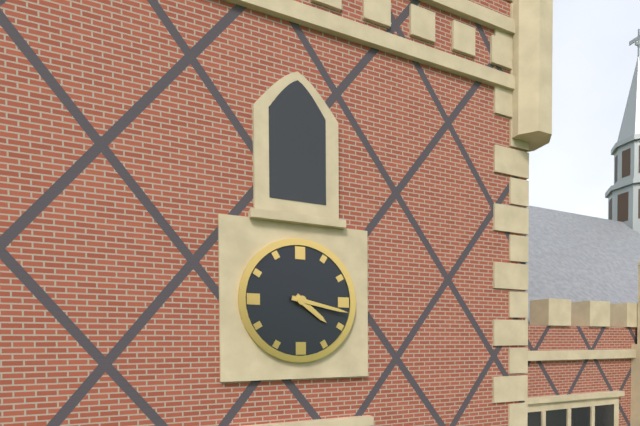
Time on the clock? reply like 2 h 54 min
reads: 4 h 17 min
